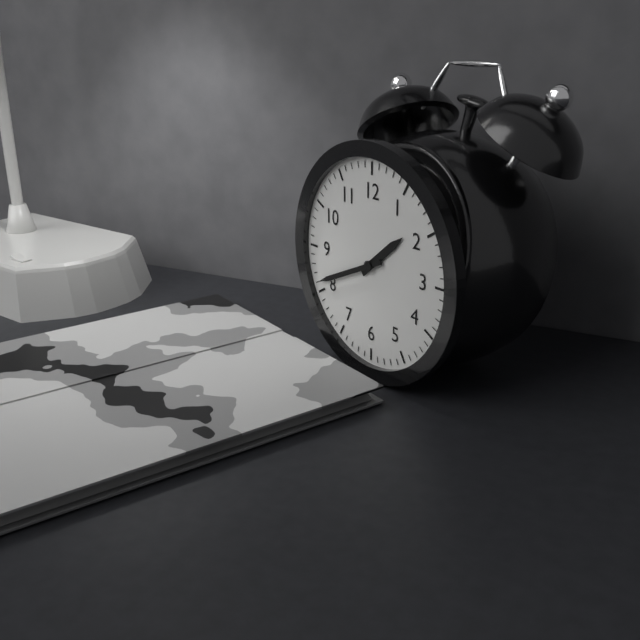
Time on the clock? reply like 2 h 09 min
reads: 1 h 41 min
